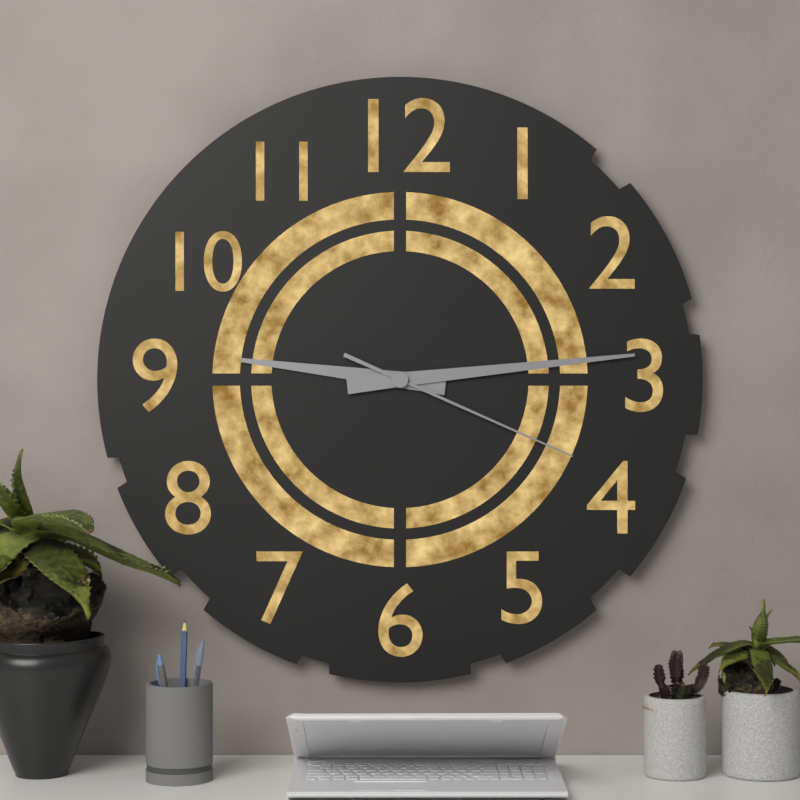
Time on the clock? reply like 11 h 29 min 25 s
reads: 9 h 14 min 19 s
